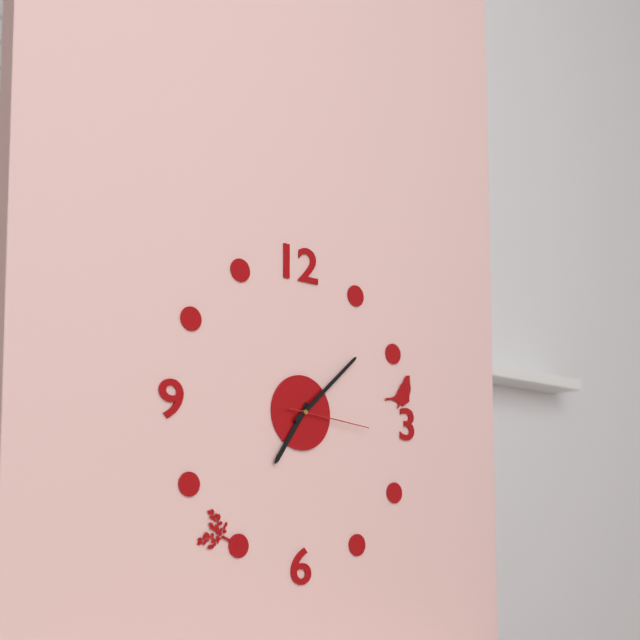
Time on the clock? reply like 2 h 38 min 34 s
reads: 7 h 08 min 16 s
